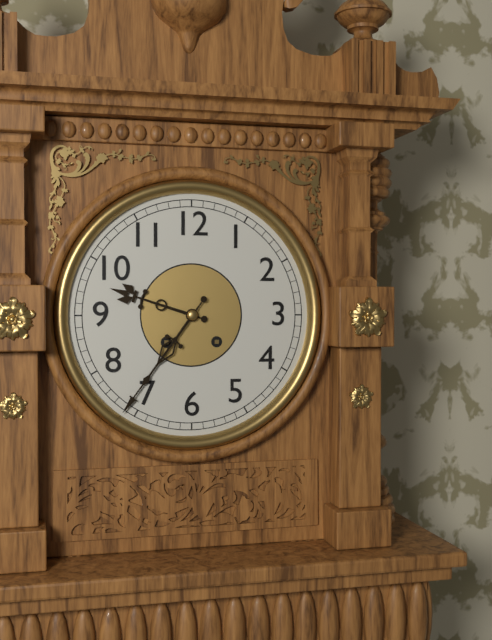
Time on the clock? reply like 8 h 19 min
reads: 9 h 36 min
